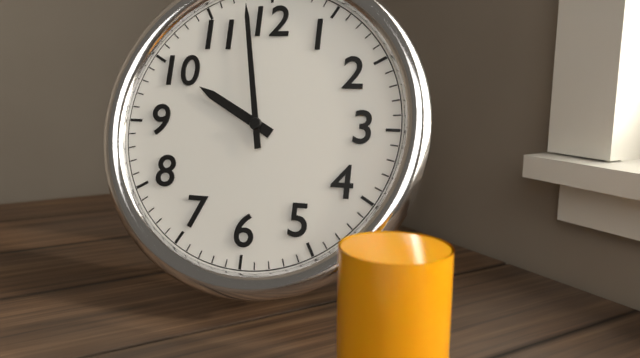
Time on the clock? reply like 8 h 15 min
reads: 9 h 58 min
